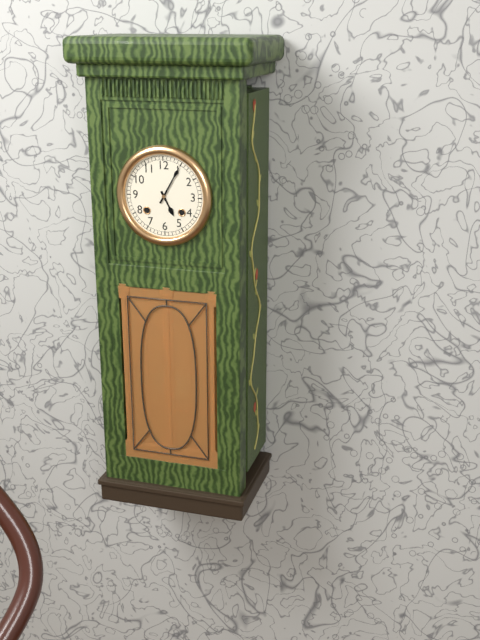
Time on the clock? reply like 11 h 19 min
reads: 5 h 05 min
